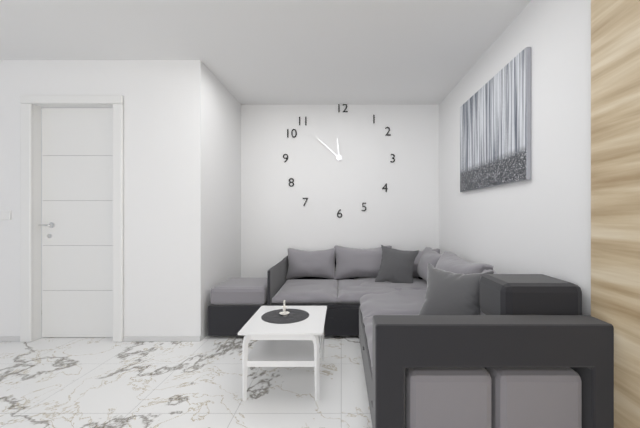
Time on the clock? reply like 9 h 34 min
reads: 11 h 52 min
